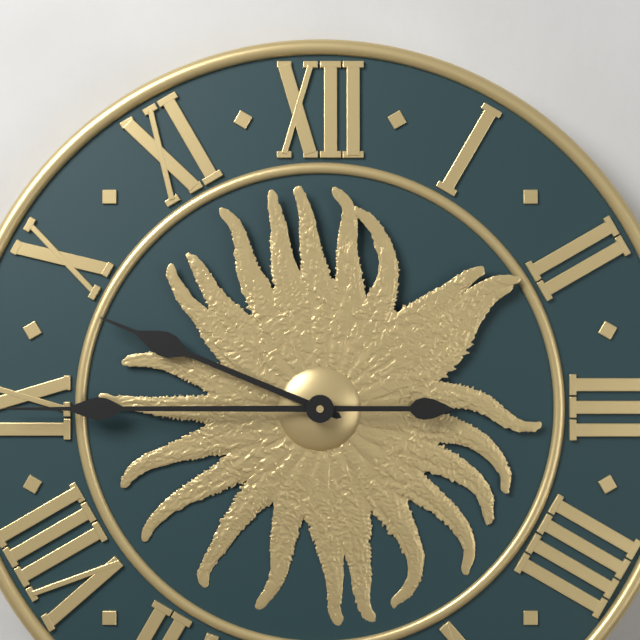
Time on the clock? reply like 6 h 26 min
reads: 9 h 45 min
